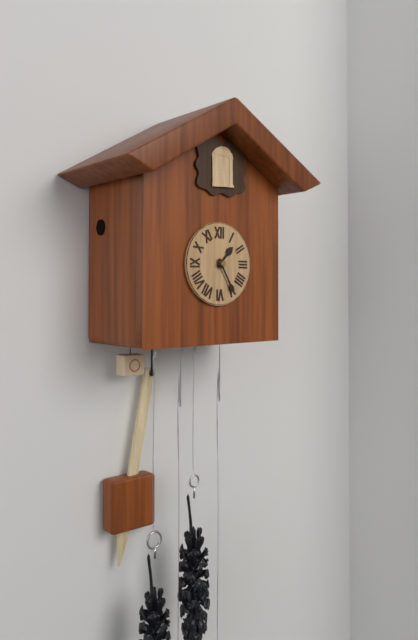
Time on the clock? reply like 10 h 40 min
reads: 1 h 25 min
